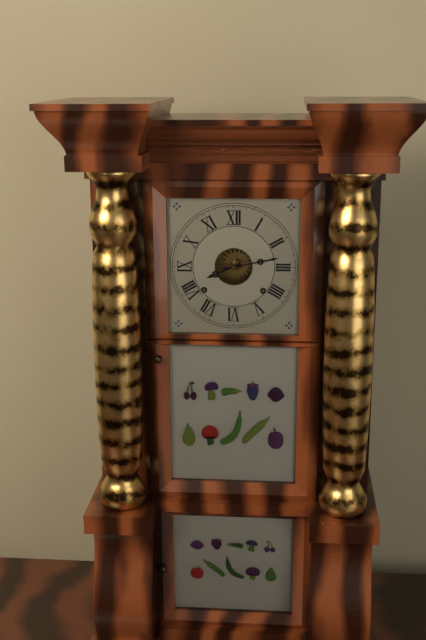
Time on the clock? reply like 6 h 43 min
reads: 8 h 13 min
